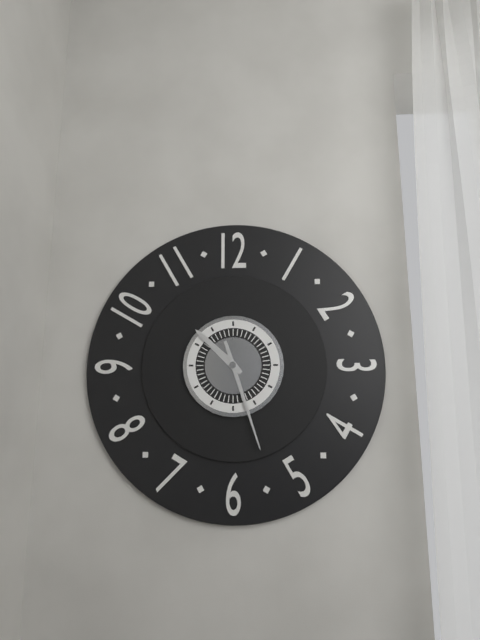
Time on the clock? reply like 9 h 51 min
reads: 10 h 27 min
